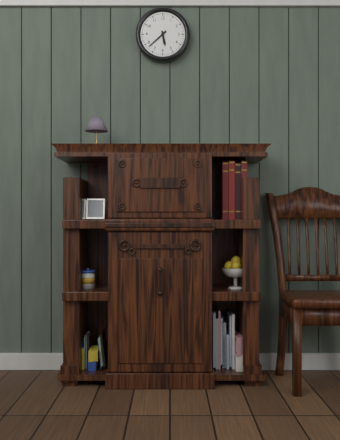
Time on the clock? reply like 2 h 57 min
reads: 5 h 38 min
